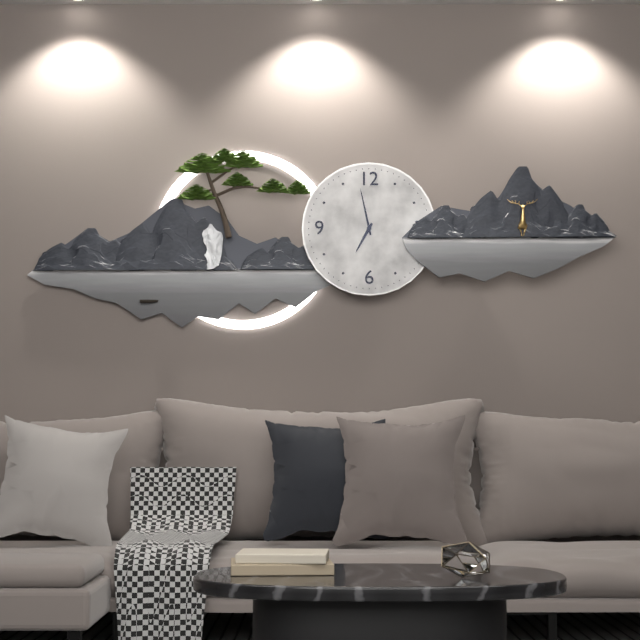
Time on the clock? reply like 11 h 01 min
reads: 6 h 58 min
